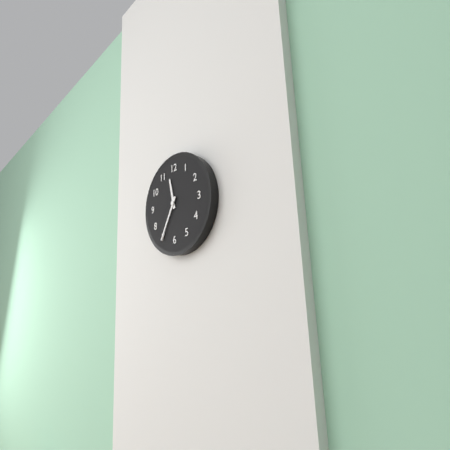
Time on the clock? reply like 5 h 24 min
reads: 11 h 35 min
